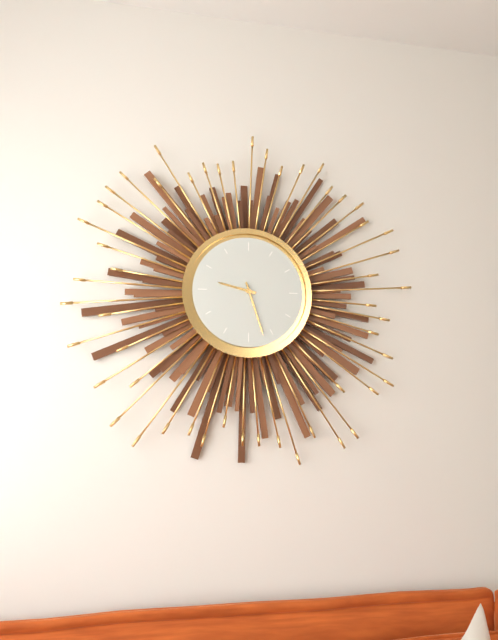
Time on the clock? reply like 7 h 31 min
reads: 9 h 27 min
